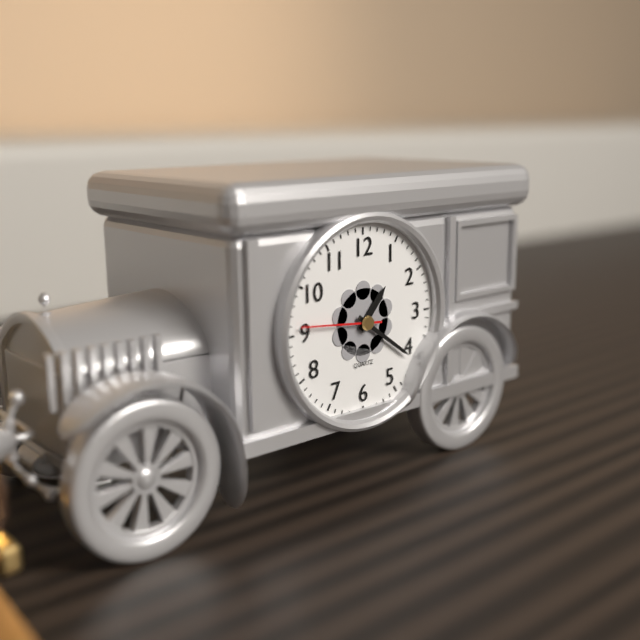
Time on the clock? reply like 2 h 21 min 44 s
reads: 1 h 21 min 46 s
